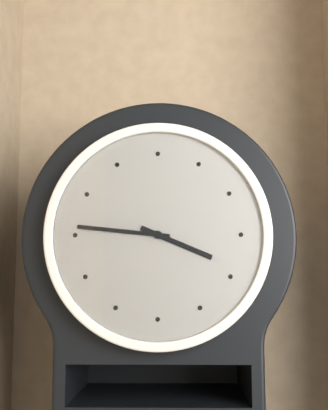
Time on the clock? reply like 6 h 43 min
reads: 3 h 46 min
